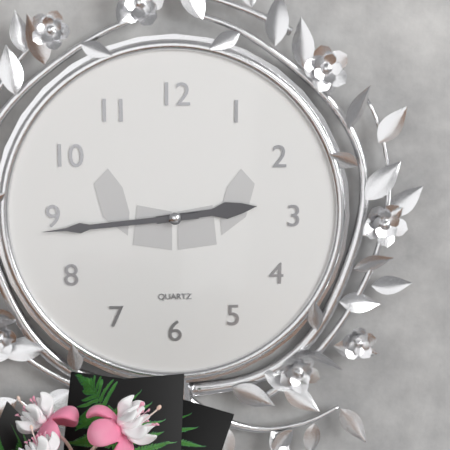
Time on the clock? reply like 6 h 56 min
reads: 2 h 44 min
